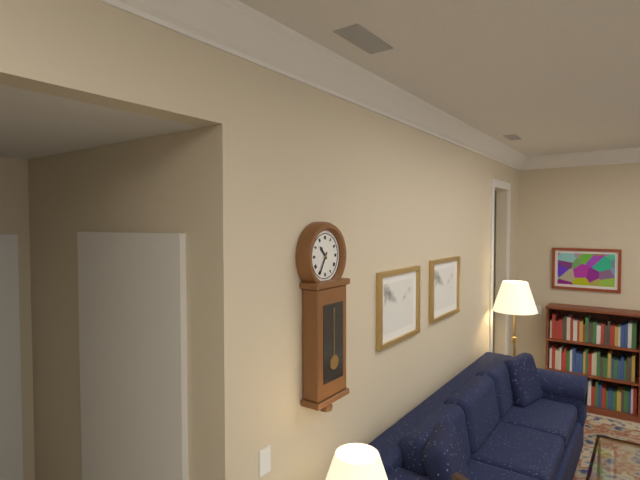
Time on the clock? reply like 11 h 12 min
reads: 10 h 35 min
